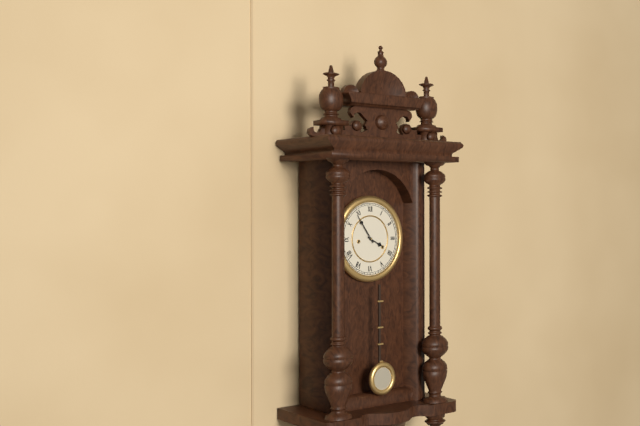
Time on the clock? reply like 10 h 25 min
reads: 3 h 54 min
